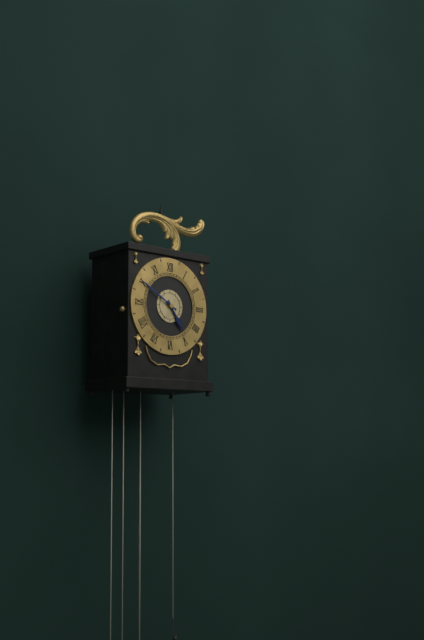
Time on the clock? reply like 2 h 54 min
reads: 4 h 50 min
